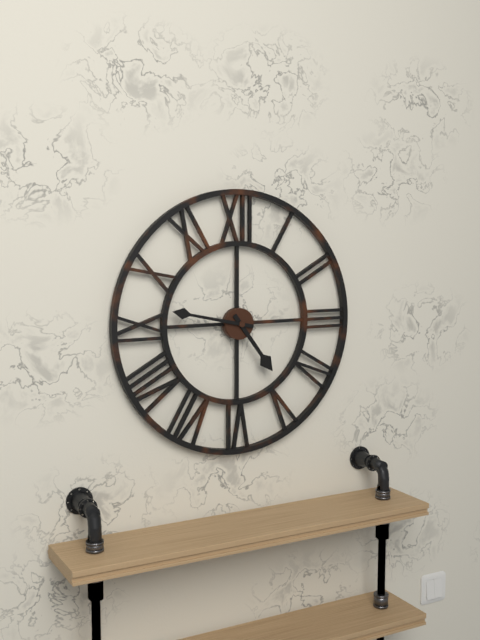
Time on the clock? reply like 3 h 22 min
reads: 4 h 47 min
